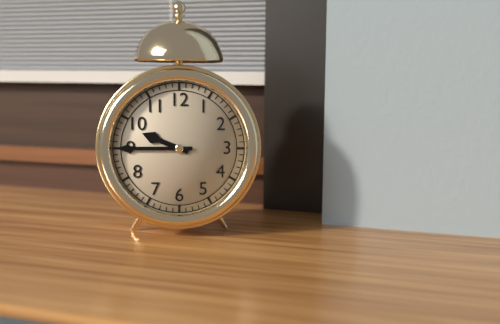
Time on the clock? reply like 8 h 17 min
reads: 9 h 45 min
